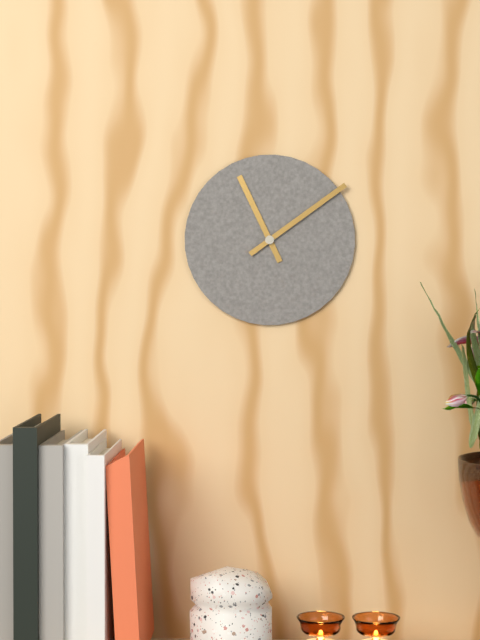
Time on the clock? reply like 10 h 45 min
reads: 11 h 09 min
